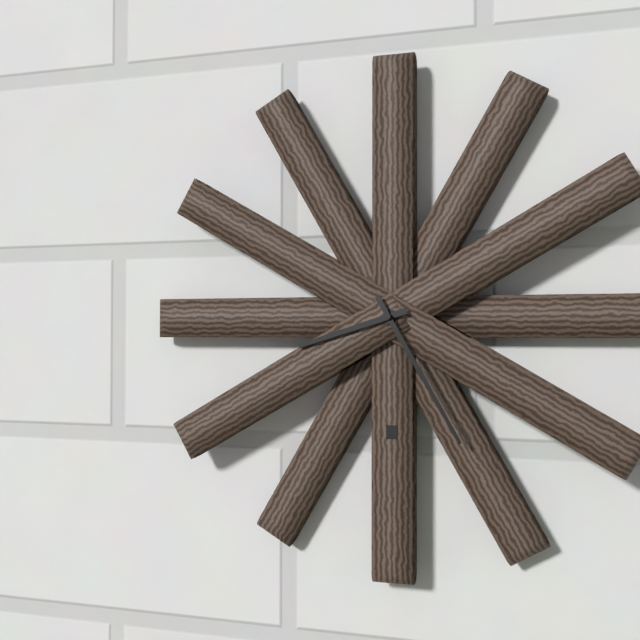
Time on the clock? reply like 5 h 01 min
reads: 8 h 25 min
